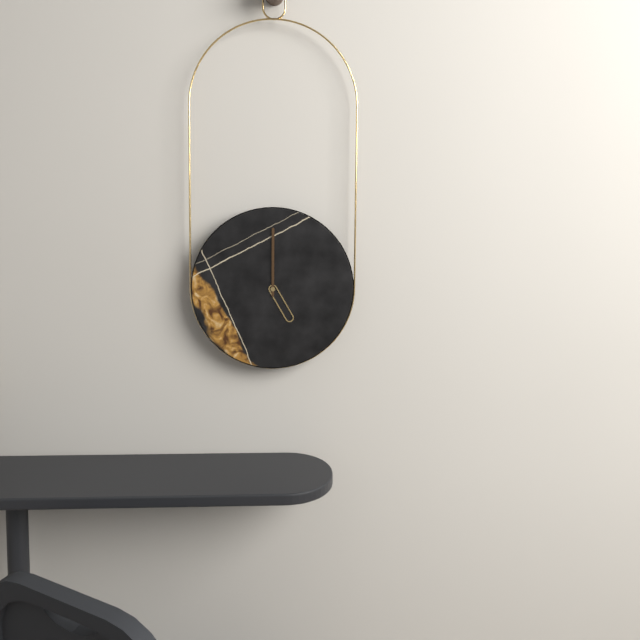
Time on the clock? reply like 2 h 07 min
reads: 5 h 00 min
